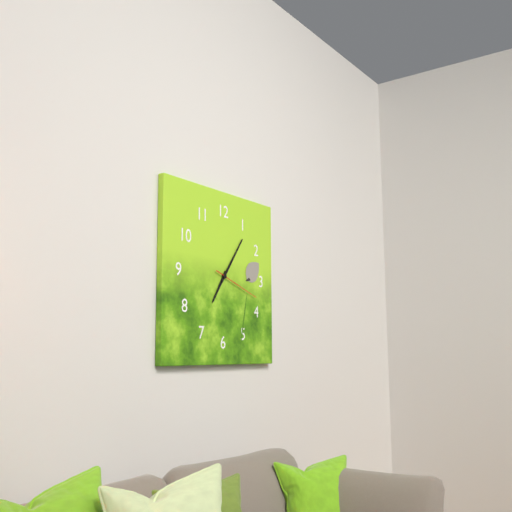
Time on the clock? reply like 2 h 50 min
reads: 7 h 06 min
